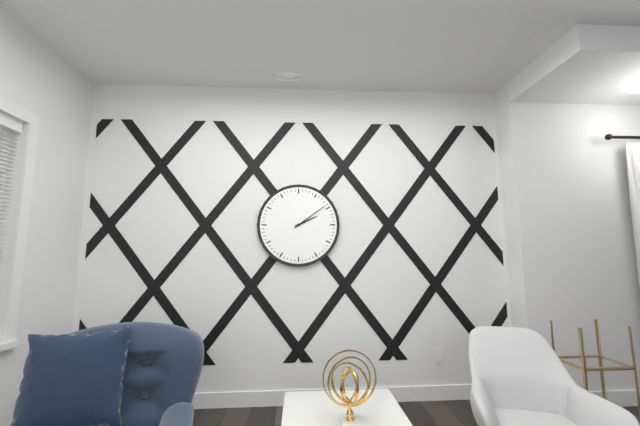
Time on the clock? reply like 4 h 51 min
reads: 2 h 09 min
